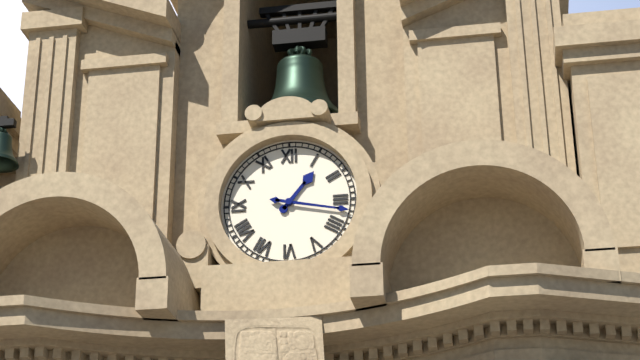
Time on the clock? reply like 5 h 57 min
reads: 1 h 17 min
